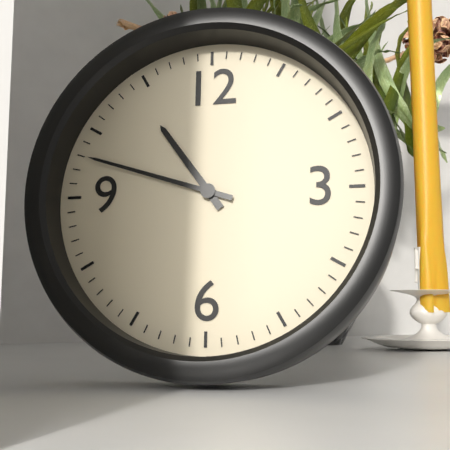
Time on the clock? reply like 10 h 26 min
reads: 10 h 48 min
